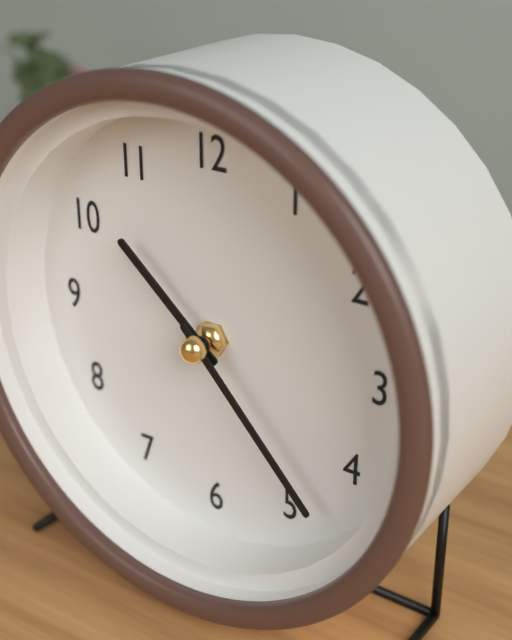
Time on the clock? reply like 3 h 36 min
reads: 10 h 23 min
